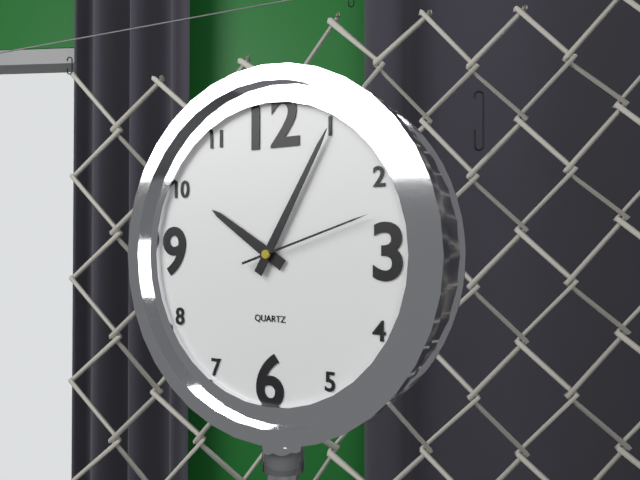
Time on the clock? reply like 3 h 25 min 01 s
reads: 10 h 05 min 12 s
